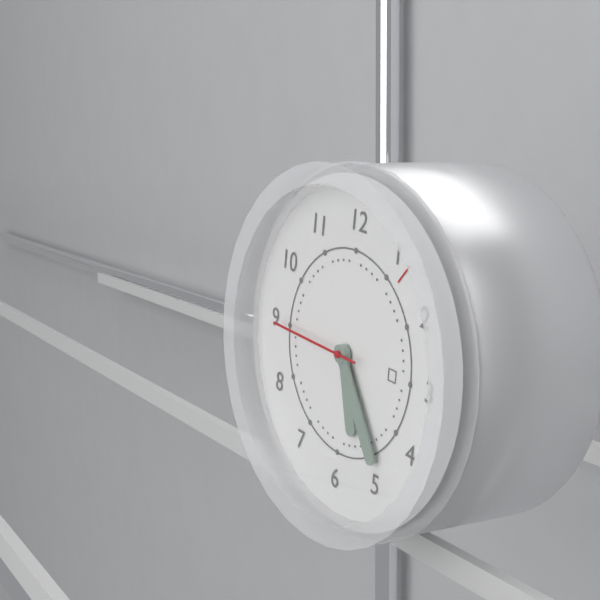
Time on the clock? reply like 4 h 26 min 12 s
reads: 5 h 24 min 45 s
